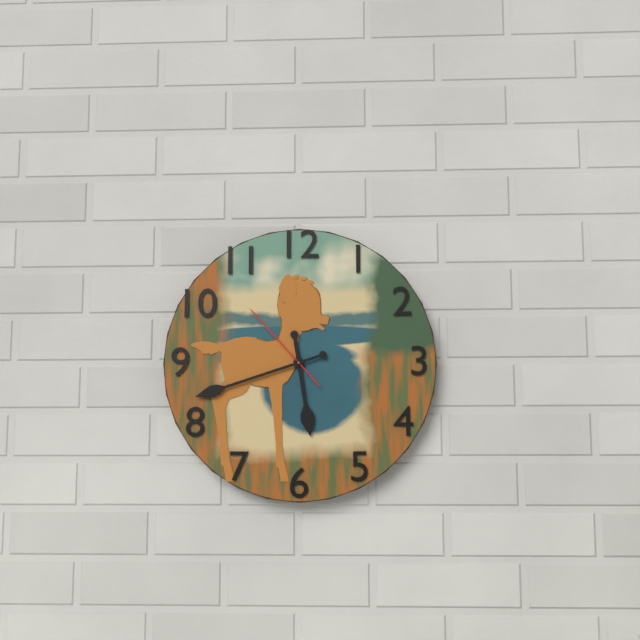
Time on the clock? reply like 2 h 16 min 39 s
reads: 5 h 42 min 53 s
